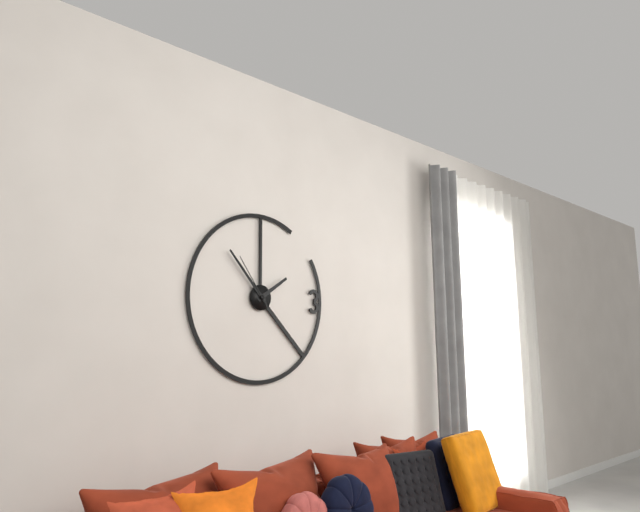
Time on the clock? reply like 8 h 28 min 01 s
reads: 1 h 53 min 54 s
